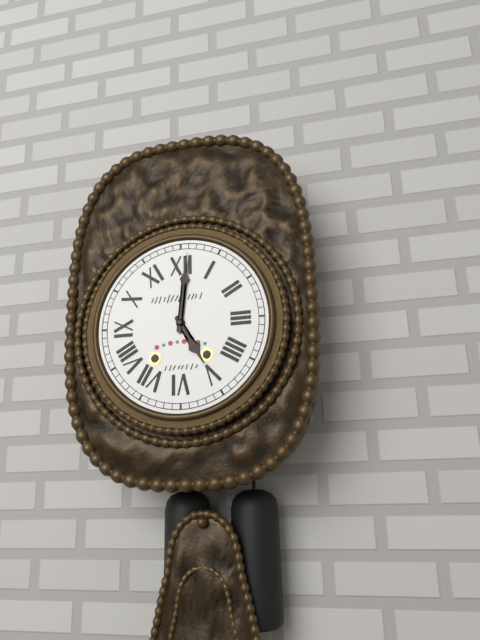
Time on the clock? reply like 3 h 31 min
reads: 5 h 01 min
